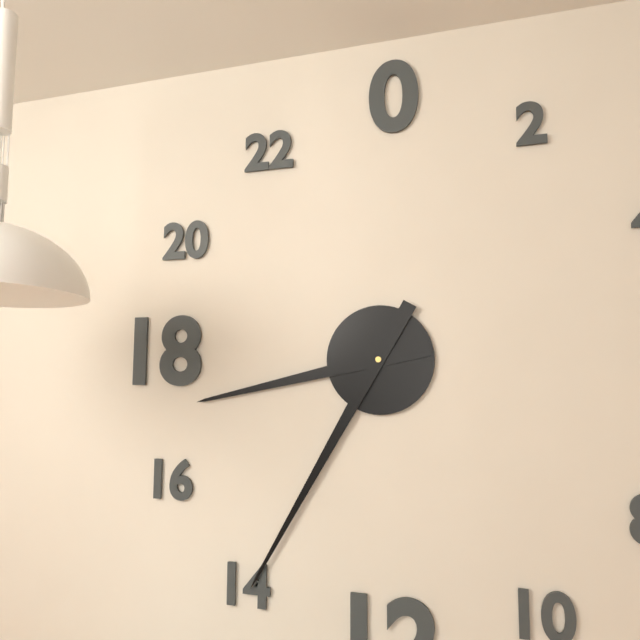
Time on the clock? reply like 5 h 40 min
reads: 8 h 35 min
